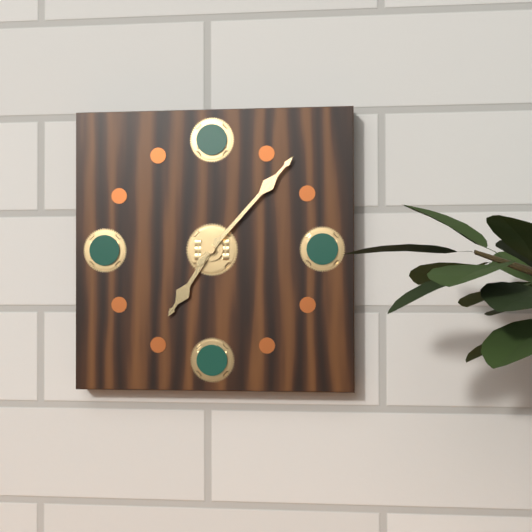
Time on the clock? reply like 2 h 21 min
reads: 7 h 07 min
